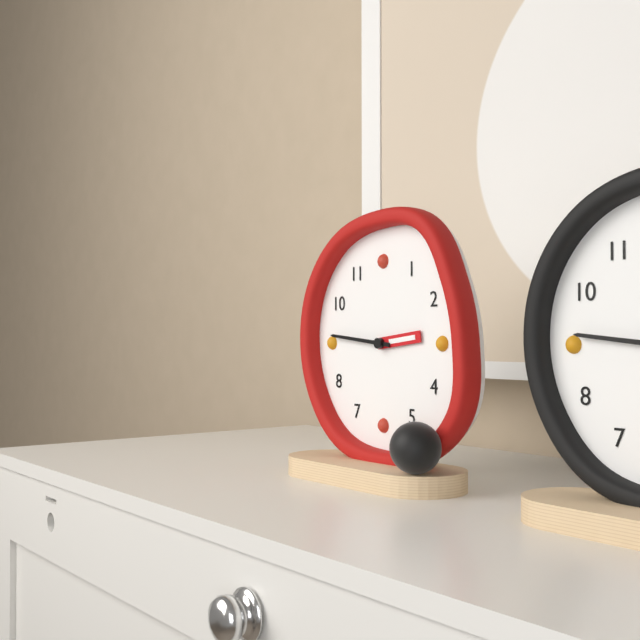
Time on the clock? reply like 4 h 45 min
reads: 2 h 46 min
